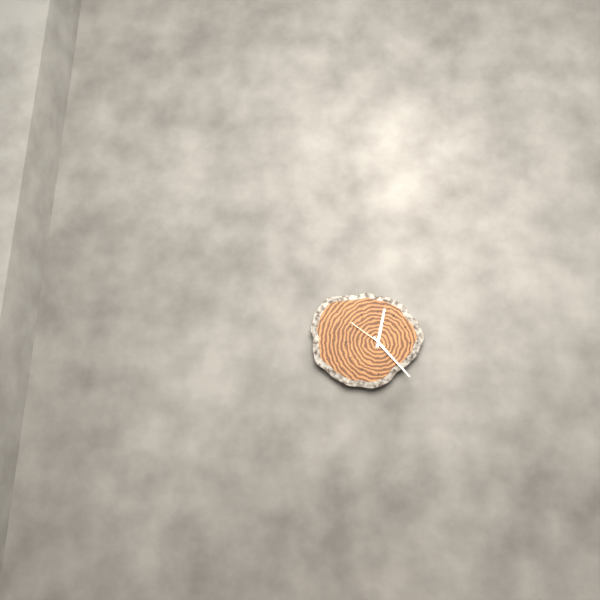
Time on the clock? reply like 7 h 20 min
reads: 12 h 23 min
